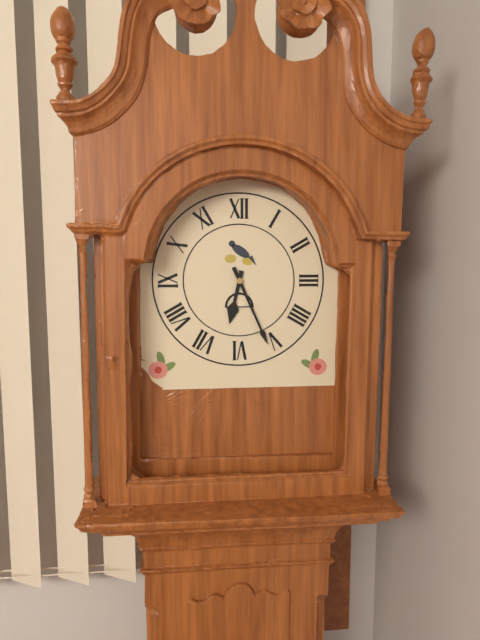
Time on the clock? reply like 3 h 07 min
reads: 6 h 26 min
